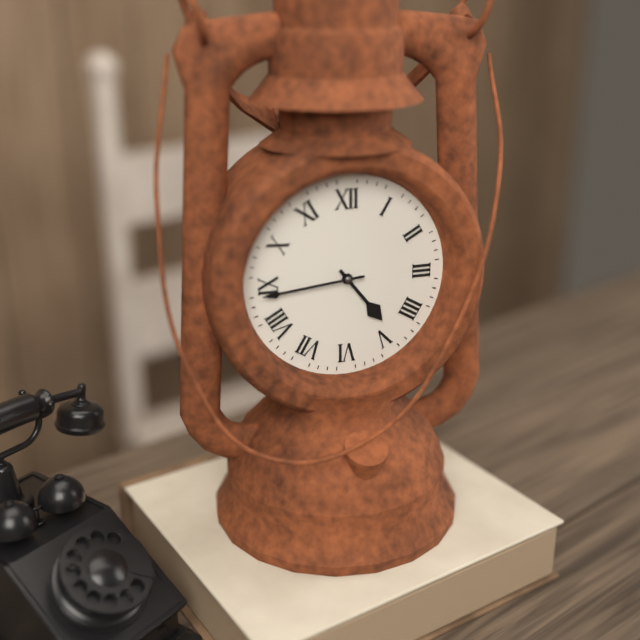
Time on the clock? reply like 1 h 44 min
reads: 4 h 44 min
